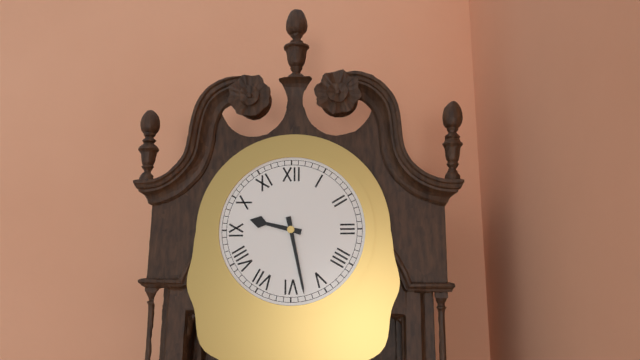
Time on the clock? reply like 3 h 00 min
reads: 9 h 28 min
